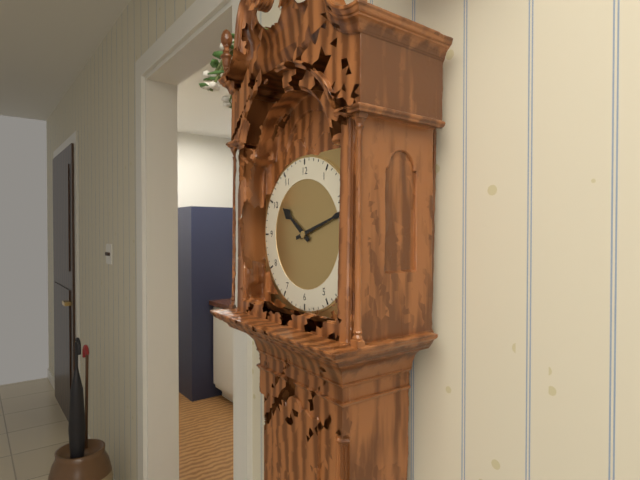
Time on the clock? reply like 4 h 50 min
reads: 10 h 12 min
